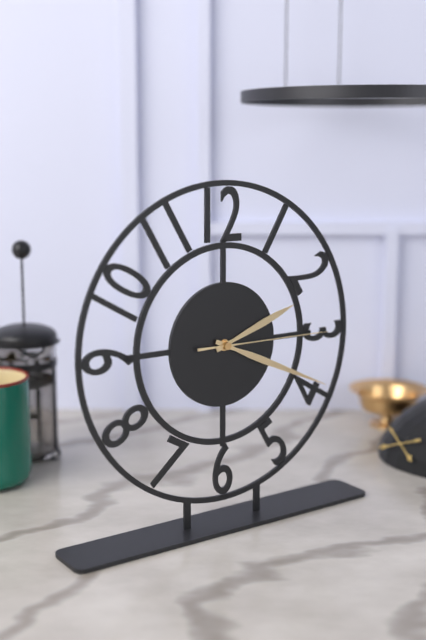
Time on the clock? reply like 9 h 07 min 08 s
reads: 2 h 19 min 15 s
